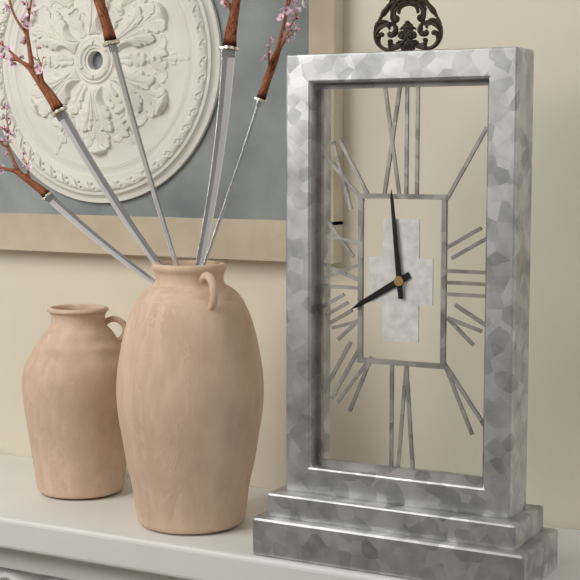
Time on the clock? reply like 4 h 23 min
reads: 7 h 59 min
